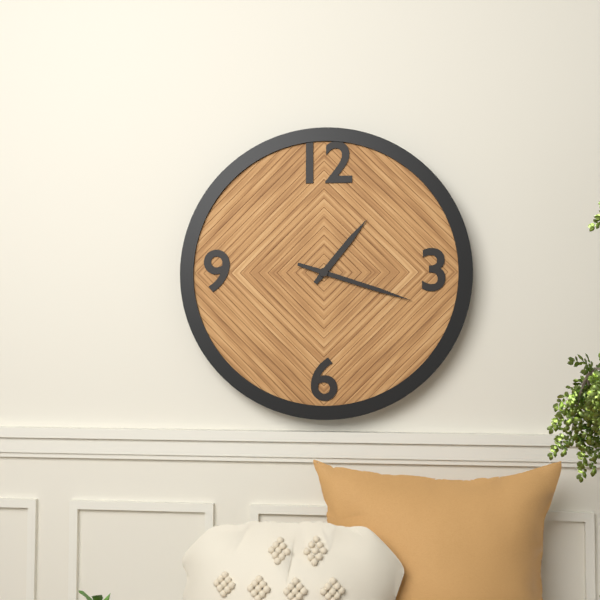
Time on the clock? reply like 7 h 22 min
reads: 1 h 18 min
